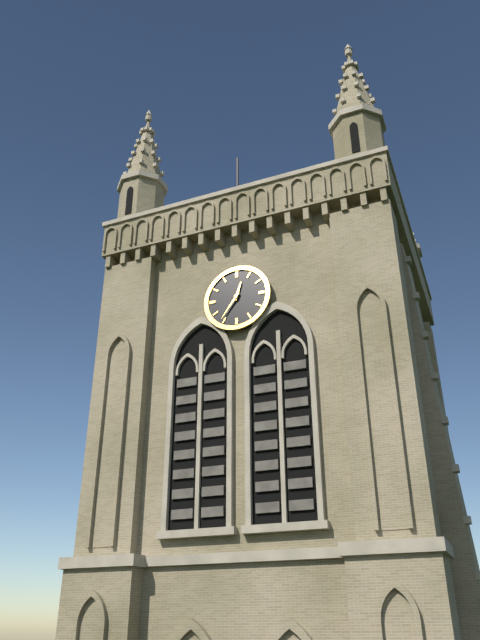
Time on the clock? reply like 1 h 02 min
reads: 12 h 36 min
